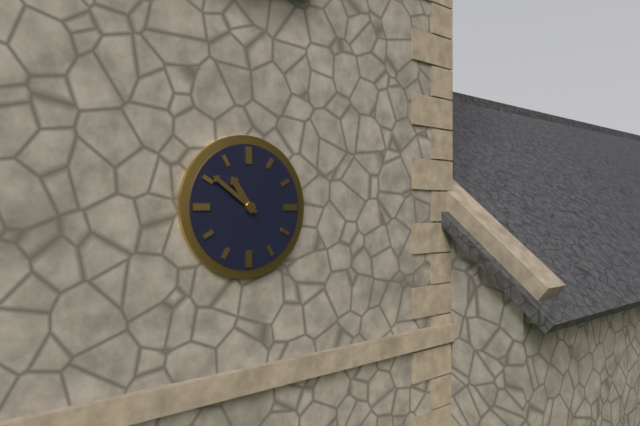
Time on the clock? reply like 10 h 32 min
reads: 10 h 51 min
